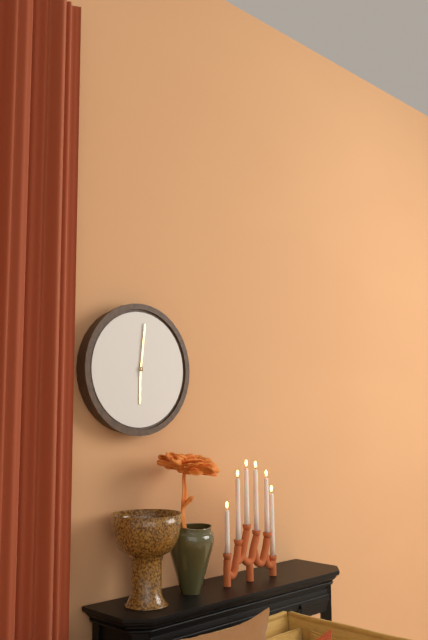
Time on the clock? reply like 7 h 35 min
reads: 6 h 01 min
